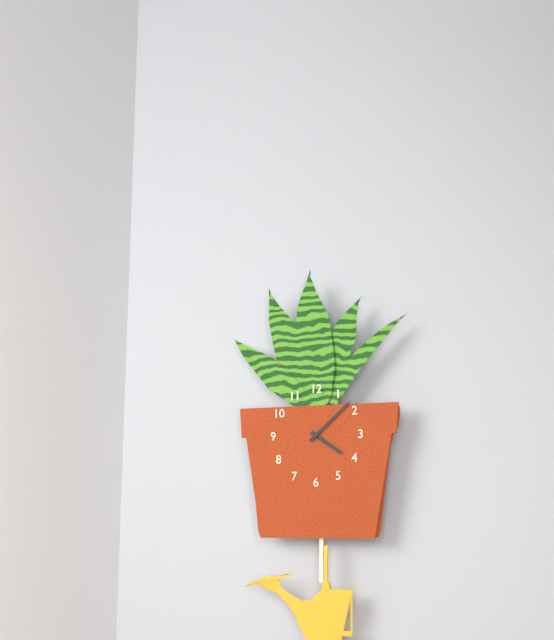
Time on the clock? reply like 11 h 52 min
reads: 4 h 08 min
